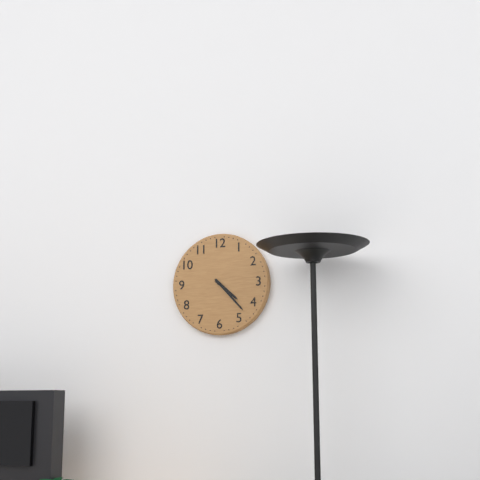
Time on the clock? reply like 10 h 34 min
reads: 4 h 23 min
